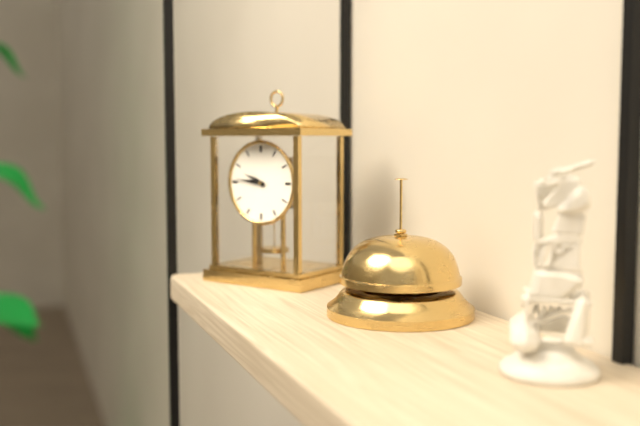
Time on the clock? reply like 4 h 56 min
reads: 9 h 46 min
